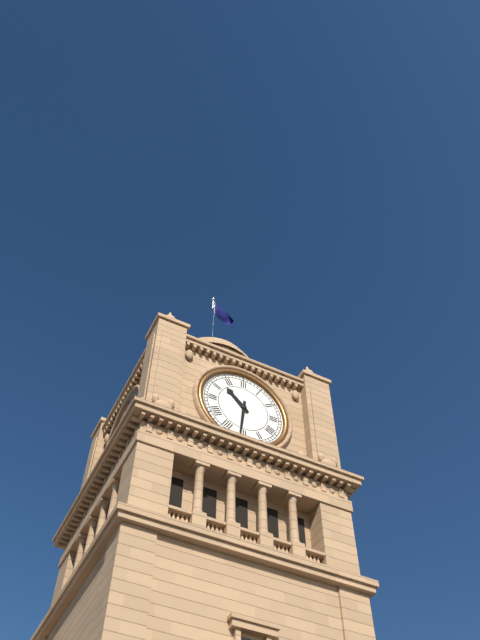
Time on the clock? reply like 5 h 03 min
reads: 10 h 31 min
